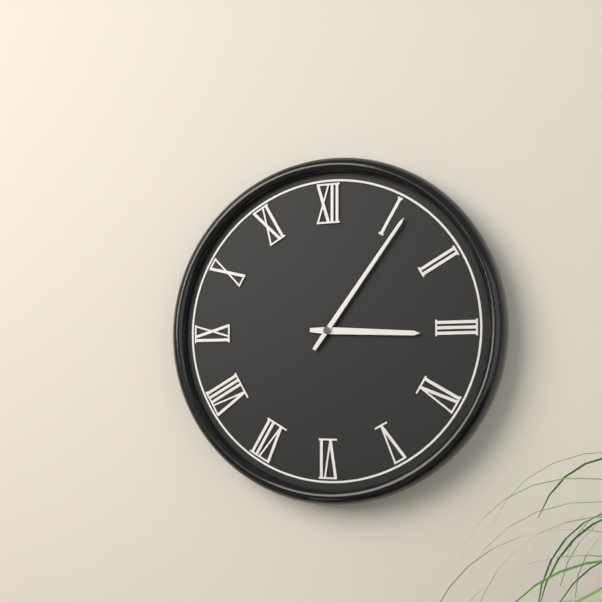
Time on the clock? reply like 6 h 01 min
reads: 3 h 06 min
